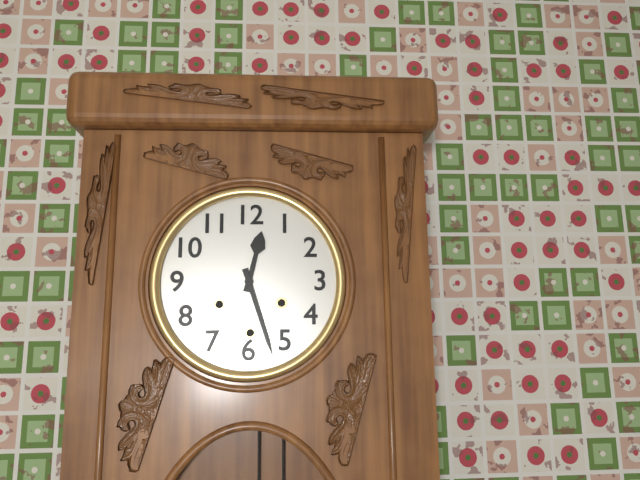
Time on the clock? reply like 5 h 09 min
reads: 12 h 27 min
